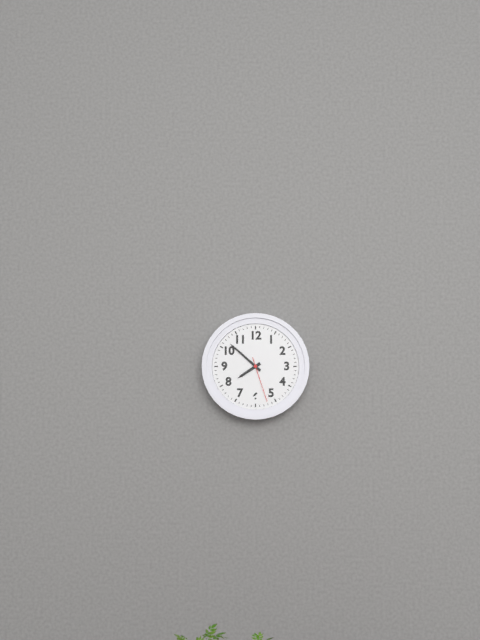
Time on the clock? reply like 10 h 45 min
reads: 7 h 52 min
